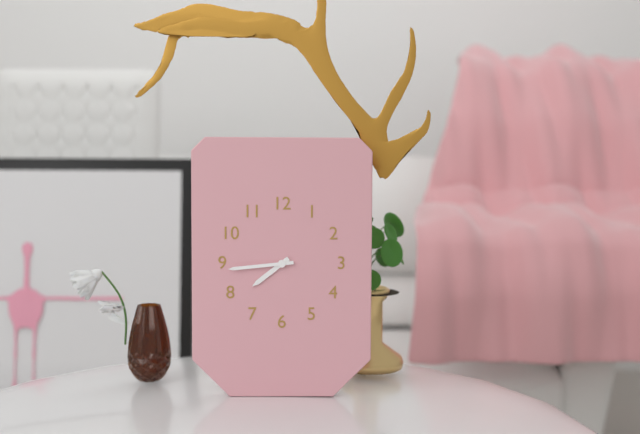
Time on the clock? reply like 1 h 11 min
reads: 7 h 44 min
